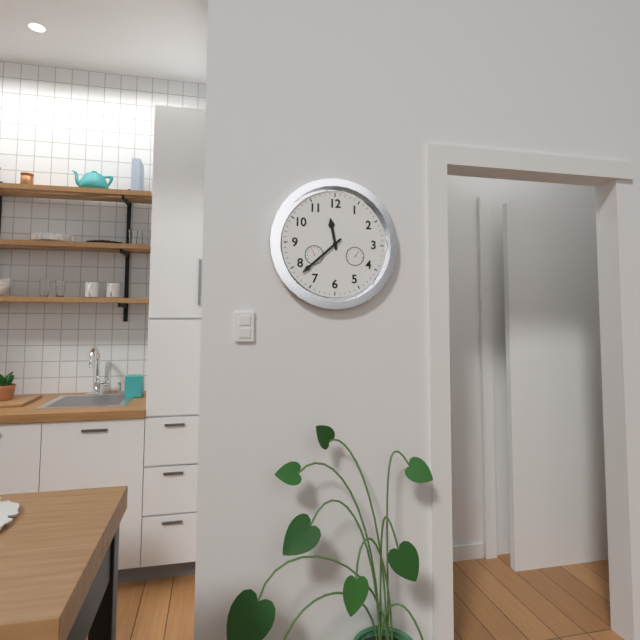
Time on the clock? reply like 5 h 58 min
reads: 11 h 38 min
